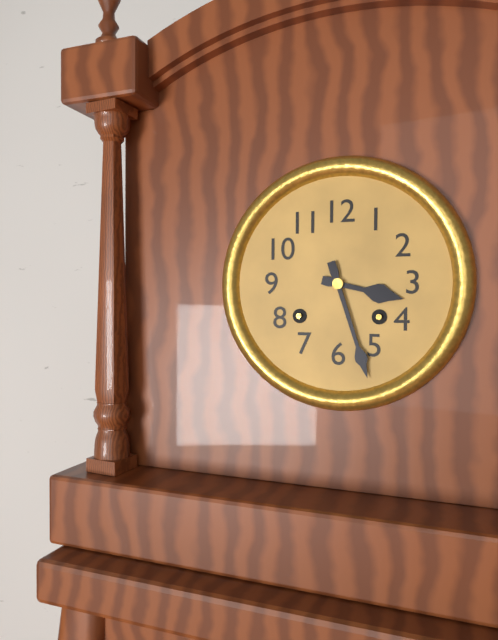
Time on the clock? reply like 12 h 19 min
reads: 3 h 27 min
